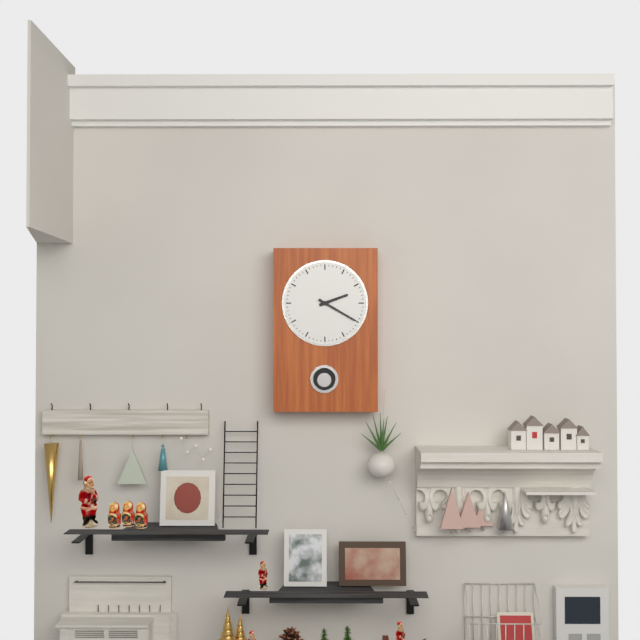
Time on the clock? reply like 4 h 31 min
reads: 2 h 20 min
